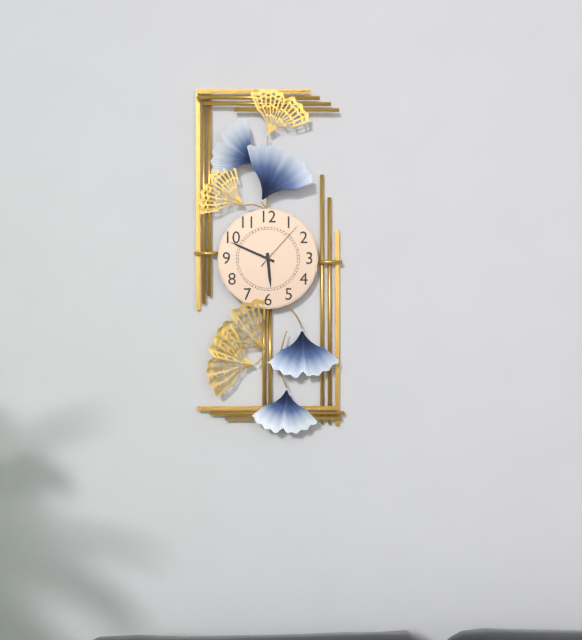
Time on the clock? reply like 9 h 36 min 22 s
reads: 5 h 49 min 07 s
